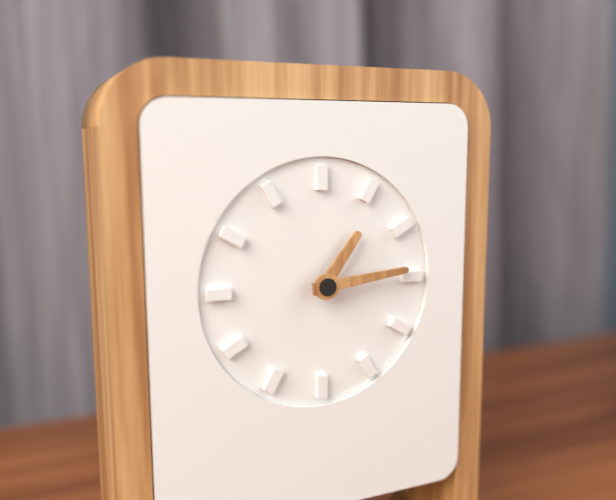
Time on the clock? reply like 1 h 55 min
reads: 1 h 14 min
